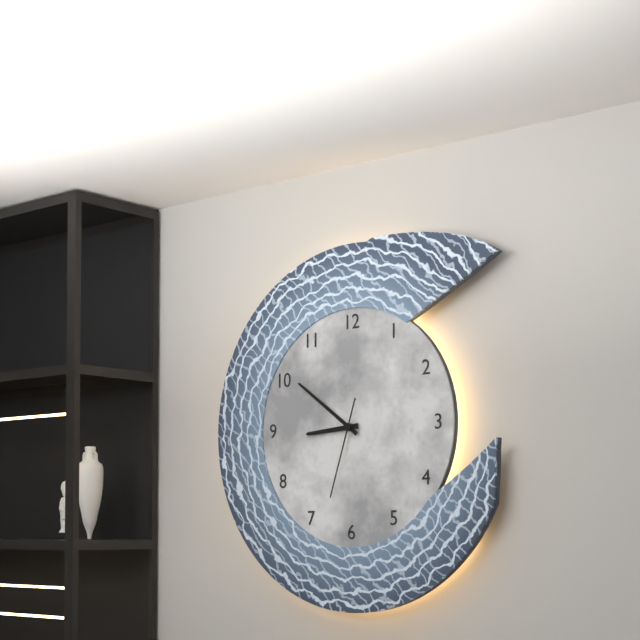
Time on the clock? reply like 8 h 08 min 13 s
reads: 8 h 51 min 33 s
